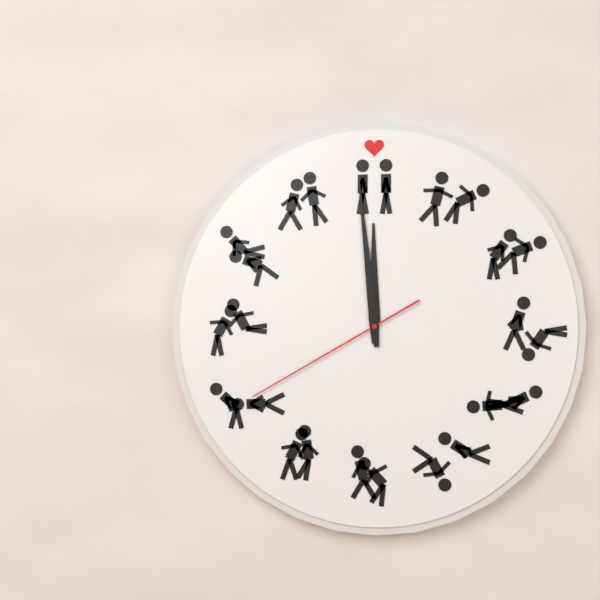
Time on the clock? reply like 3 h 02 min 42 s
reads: 11 h 59 min 40 s
